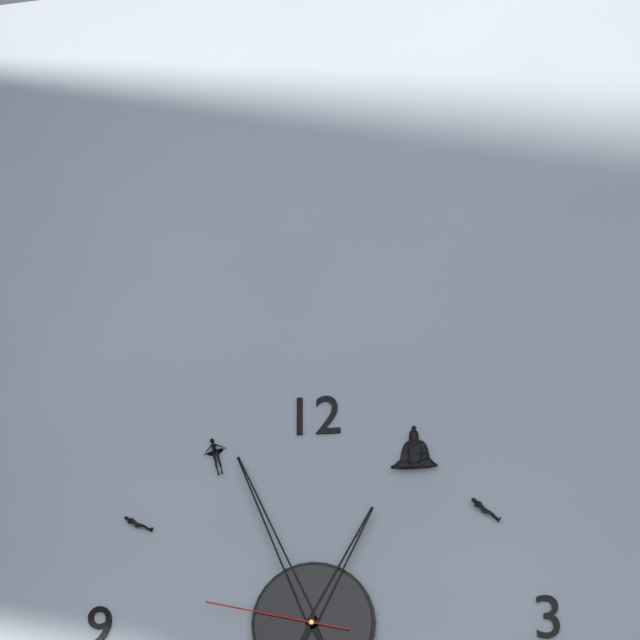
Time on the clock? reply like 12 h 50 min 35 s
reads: 12 h 56 min 47 s
